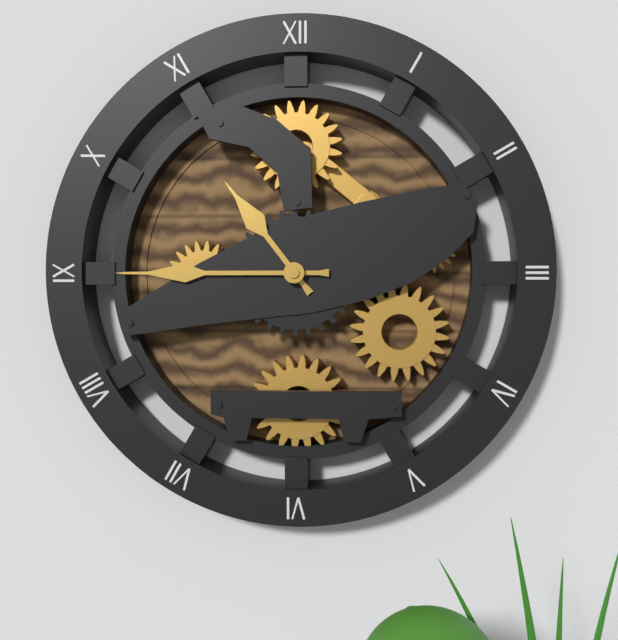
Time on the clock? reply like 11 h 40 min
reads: 10 h 45 min
